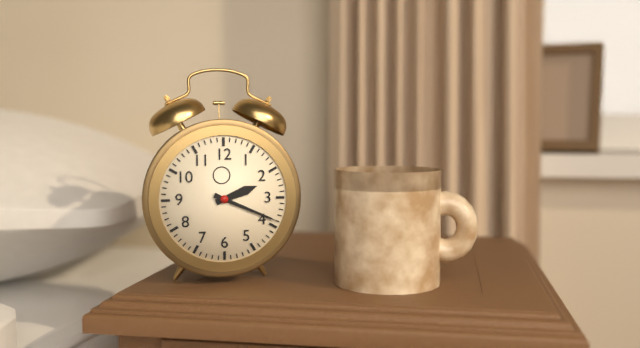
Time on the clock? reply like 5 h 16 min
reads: 2 h 19 min
